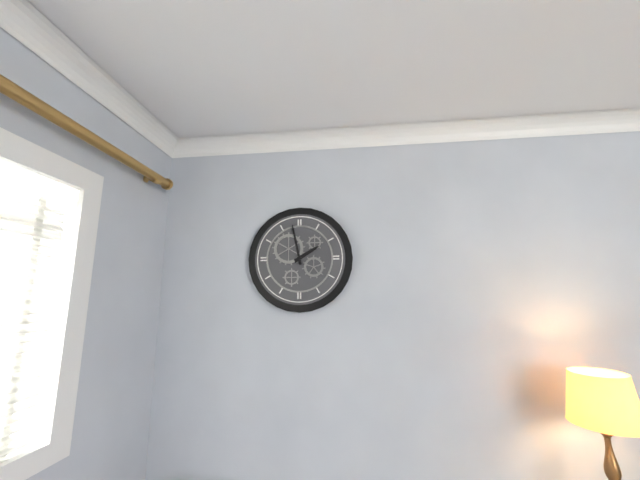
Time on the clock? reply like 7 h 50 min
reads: 1 h 58 min
